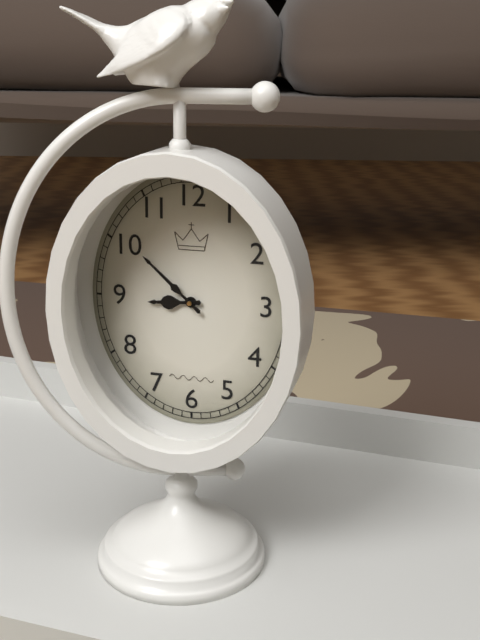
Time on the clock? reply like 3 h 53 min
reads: 8 h 52 min
